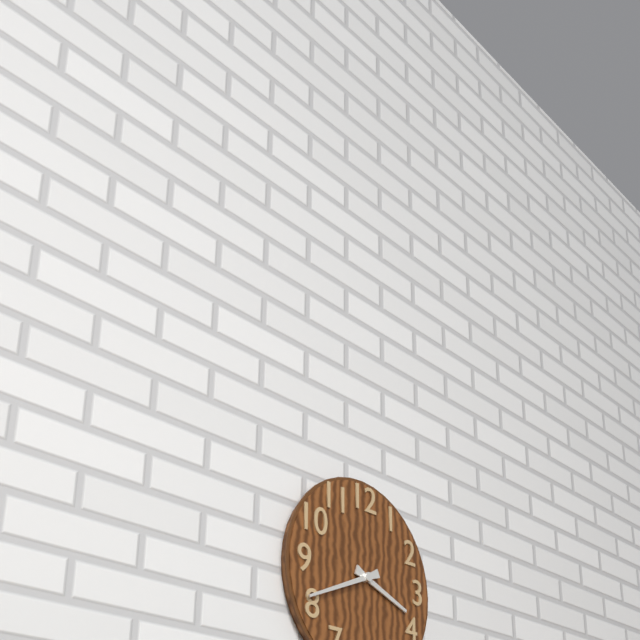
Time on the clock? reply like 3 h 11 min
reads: 3 h 41 min
